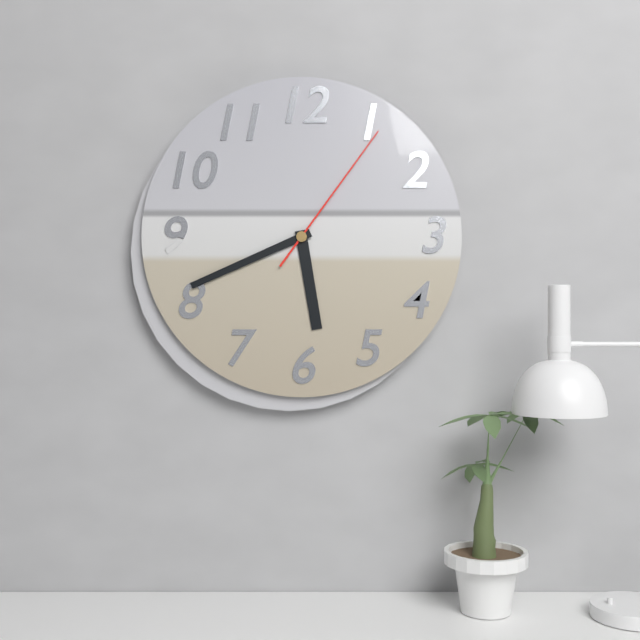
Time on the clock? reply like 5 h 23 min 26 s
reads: 5 h 41 min 06 s
